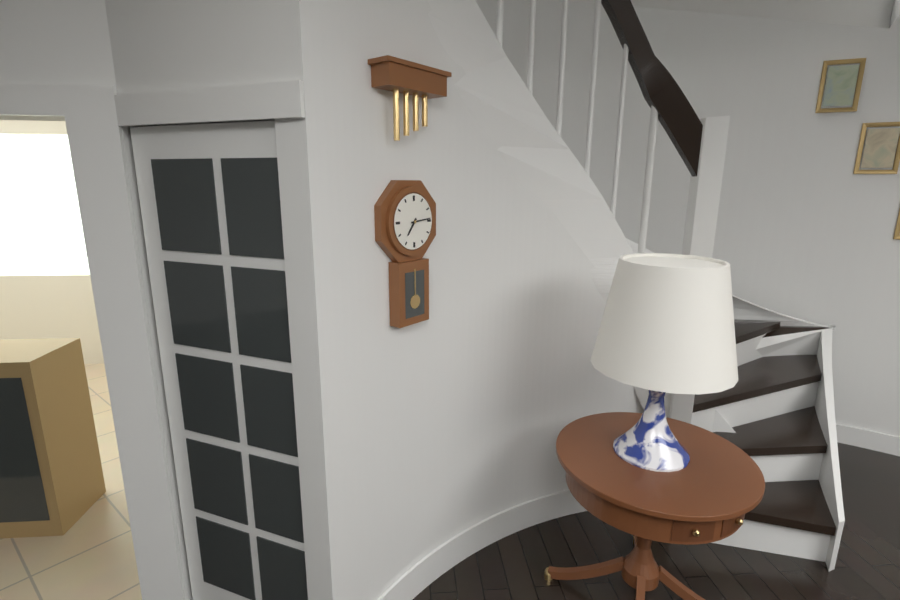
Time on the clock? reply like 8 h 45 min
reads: 7 h 14 min
